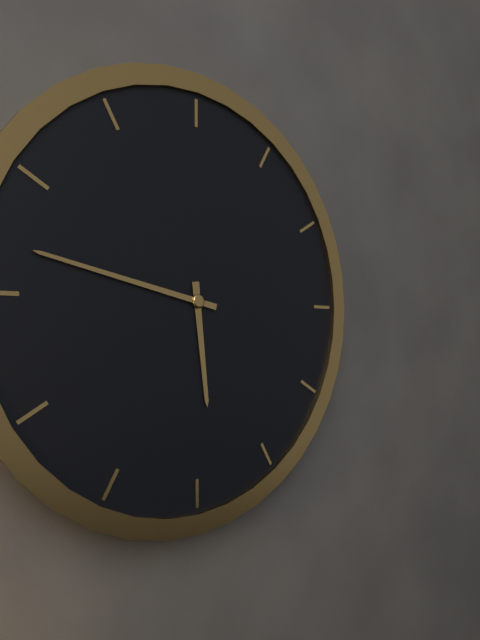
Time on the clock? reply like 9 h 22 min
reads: 5 h 47 min
